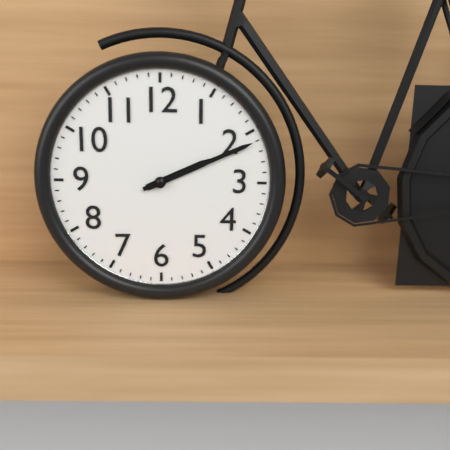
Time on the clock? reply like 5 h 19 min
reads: 2 h 11 min
